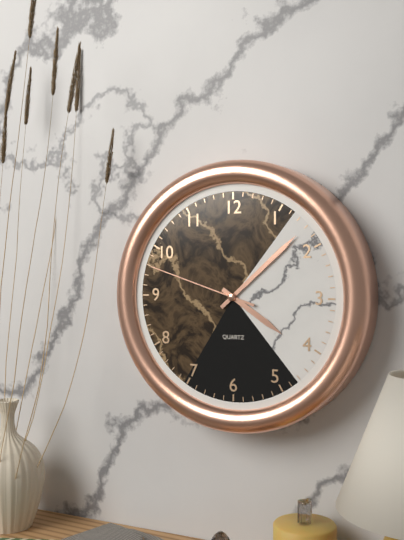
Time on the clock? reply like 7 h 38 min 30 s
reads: 4 h 08 min 48 s
